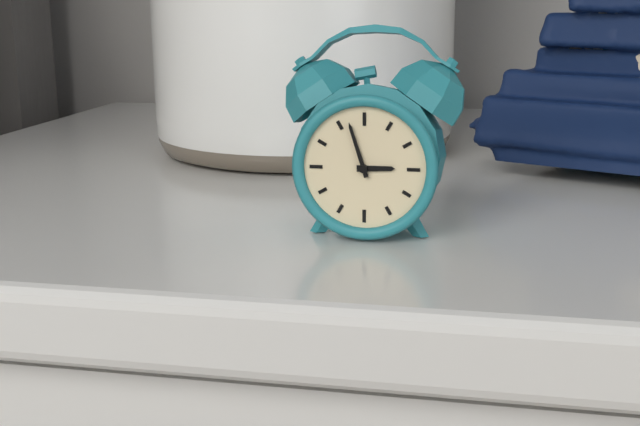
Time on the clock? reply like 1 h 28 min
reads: 2 h 57 min
